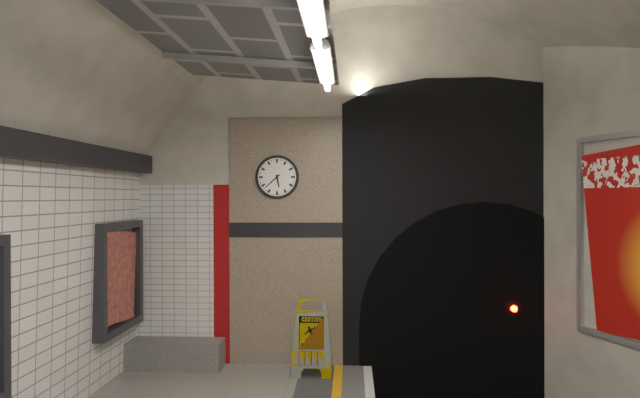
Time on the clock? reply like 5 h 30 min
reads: 5 h 38 min
